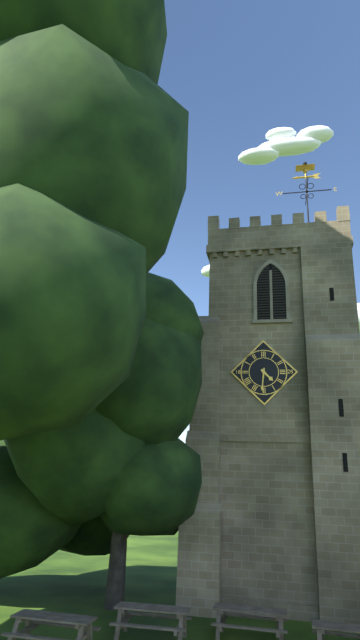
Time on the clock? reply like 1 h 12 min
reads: 4 h 31 min
